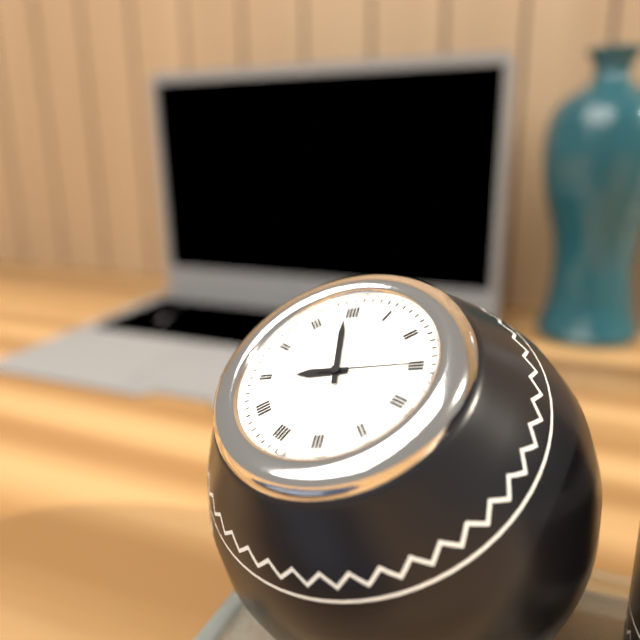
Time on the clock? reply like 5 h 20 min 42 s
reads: 8 h 59 min 15 s
